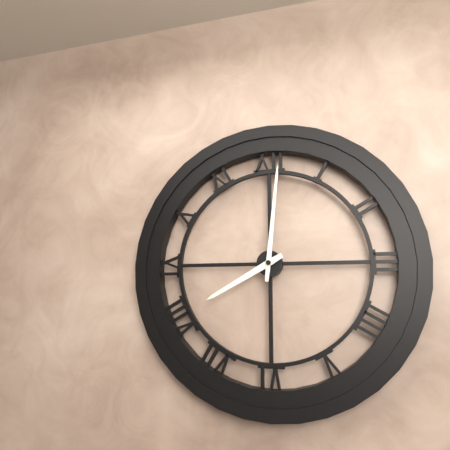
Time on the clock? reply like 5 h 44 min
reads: 8 h 01 min
